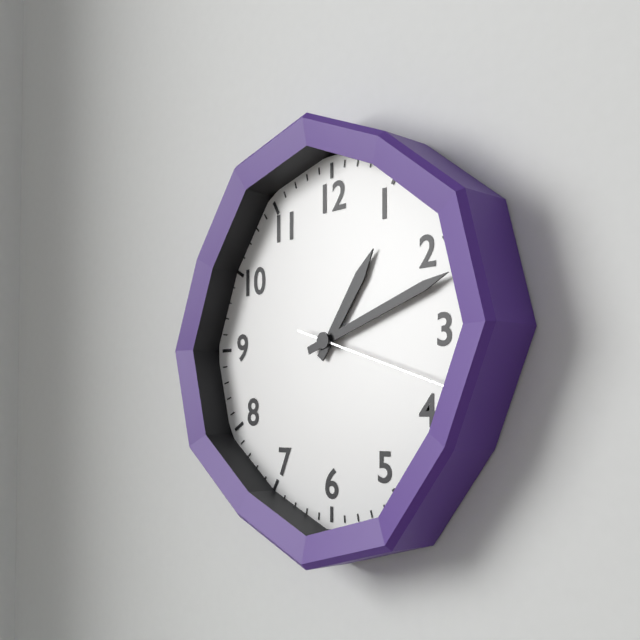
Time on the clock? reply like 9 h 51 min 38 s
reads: 1 h 12 min 18 s
